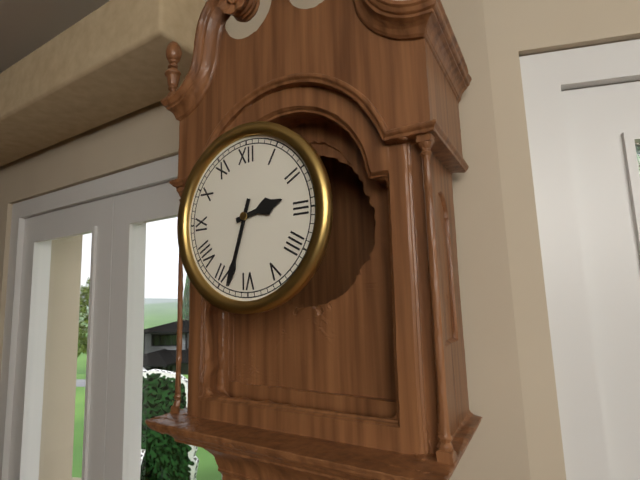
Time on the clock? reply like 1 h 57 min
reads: 2 h 33 min
